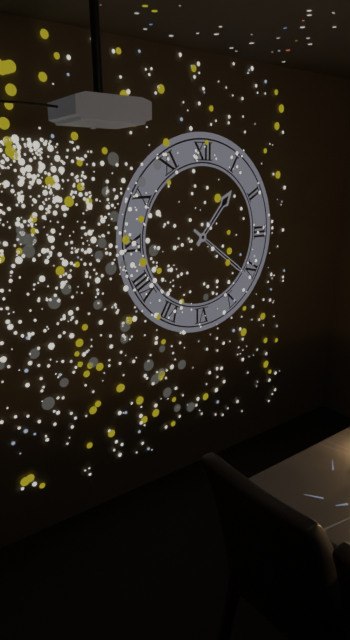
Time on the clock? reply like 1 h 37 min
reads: 1 h 21 min
